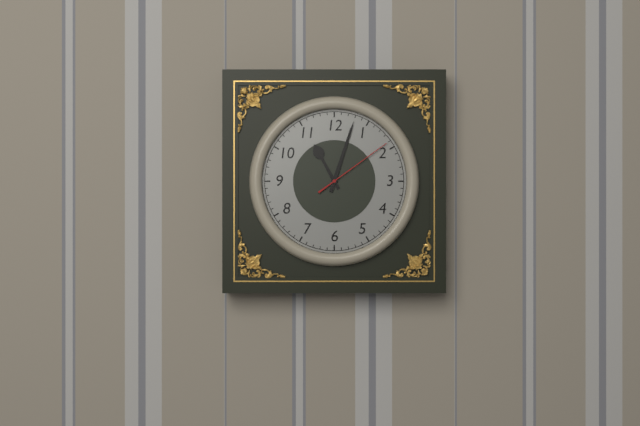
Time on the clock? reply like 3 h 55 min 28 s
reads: 11 h 03 min 09 s
